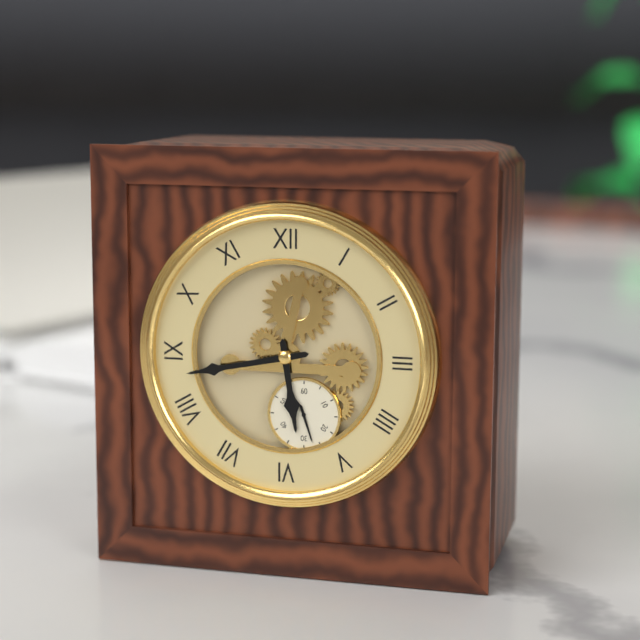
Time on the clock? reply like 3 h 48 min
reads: 5 h 43 min
